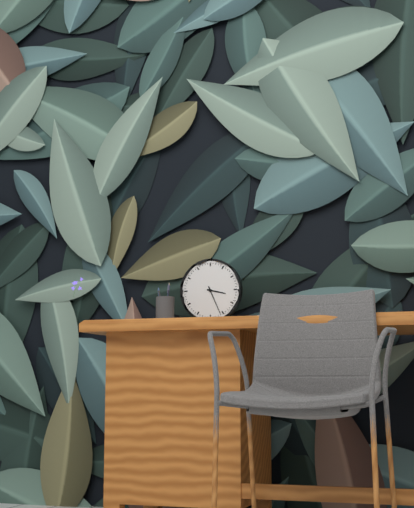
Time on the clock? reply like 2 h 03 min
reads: 3 h 26 min
